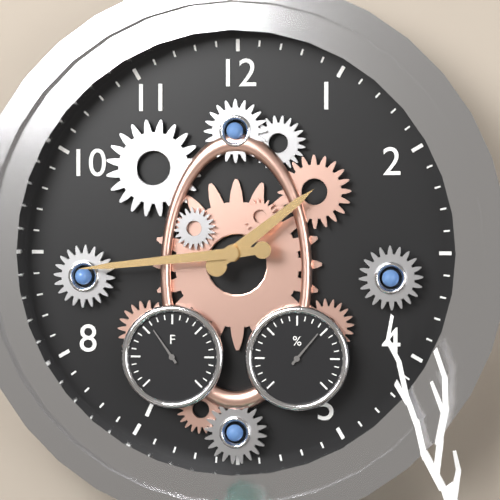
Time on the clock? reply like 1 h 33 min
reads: 1 h 44 min
